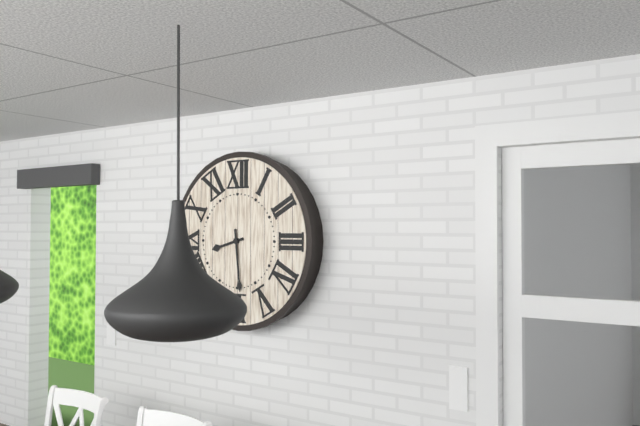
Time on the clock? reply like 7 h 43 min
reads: 8 h 29 min
